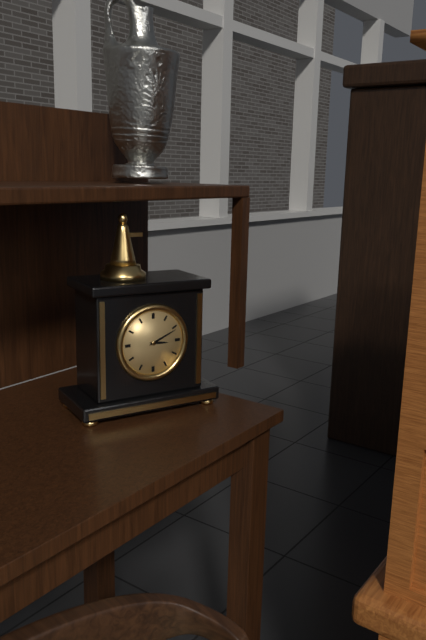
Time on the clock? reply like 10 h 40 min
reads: 3 h 11 min
